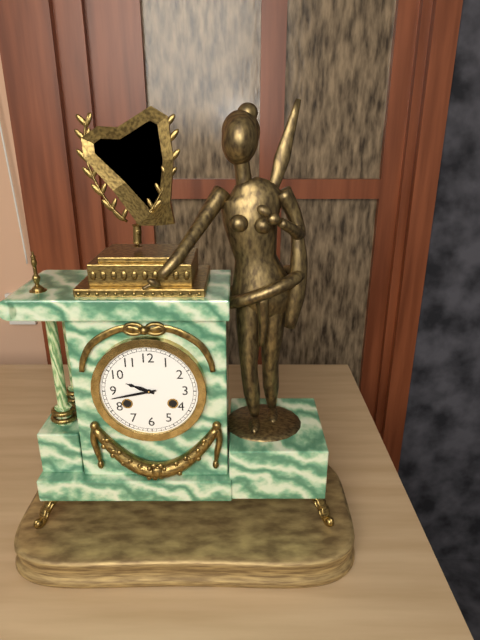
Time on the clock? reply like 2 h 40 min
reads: 9 h 43 min
